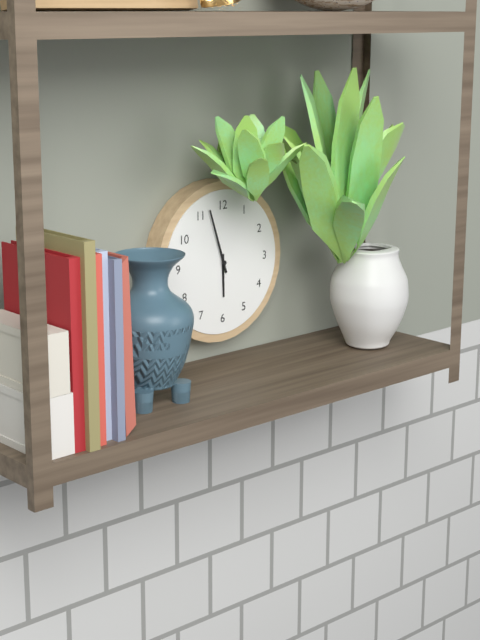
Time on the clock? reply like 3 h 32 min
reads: 5 h 57 min
